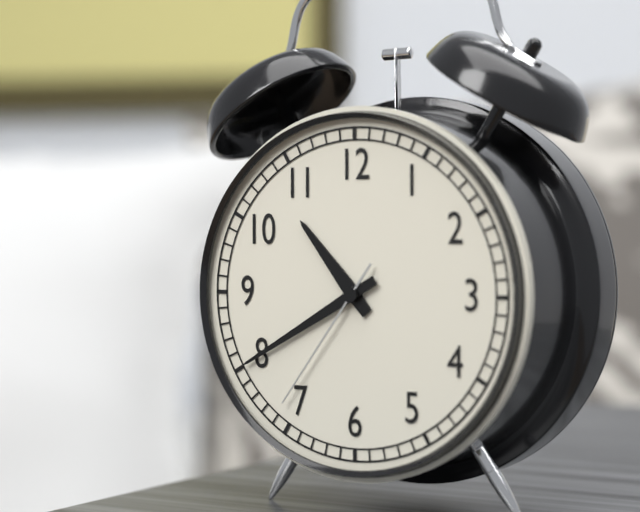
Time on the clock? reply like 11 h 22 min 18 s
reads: 10 h 40 min 36 s
